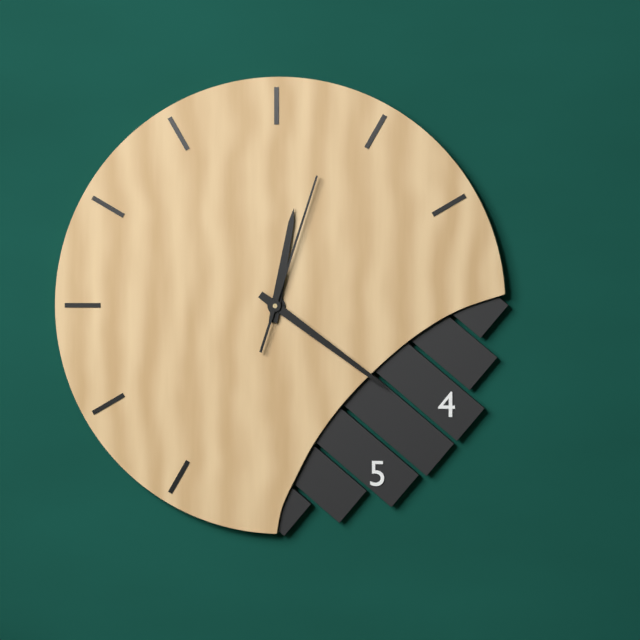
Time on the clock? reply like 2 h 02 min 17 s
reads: 12 h 21 min 03 s
